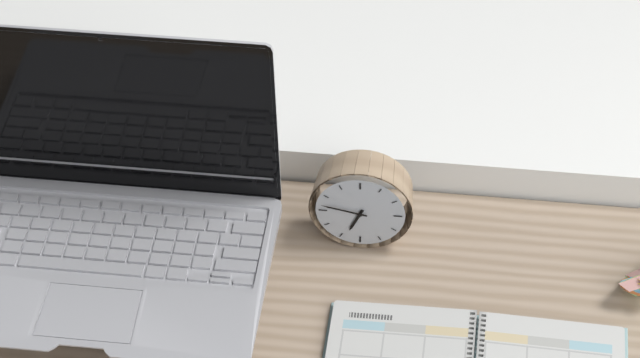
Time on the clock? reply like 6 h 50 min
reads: 6 h 47 min
